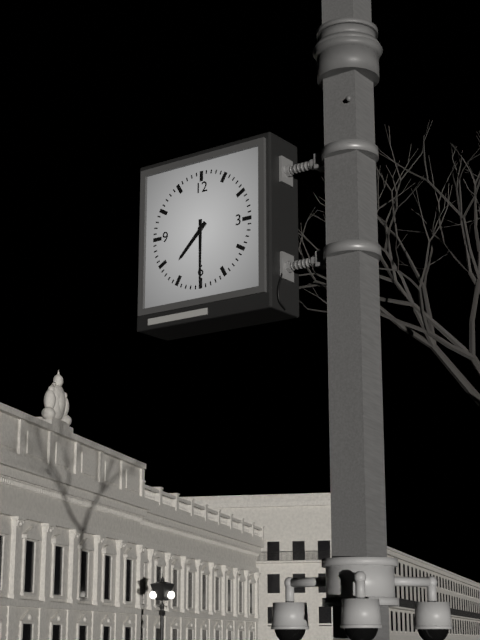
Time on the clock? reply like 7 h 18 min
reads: 7 h 30 min
